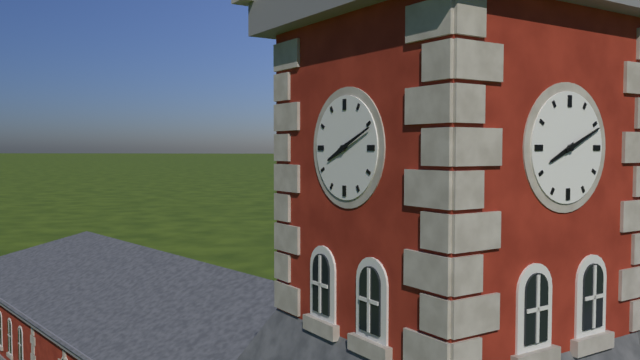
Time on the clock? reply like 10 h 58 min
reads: 8 h 11 min
